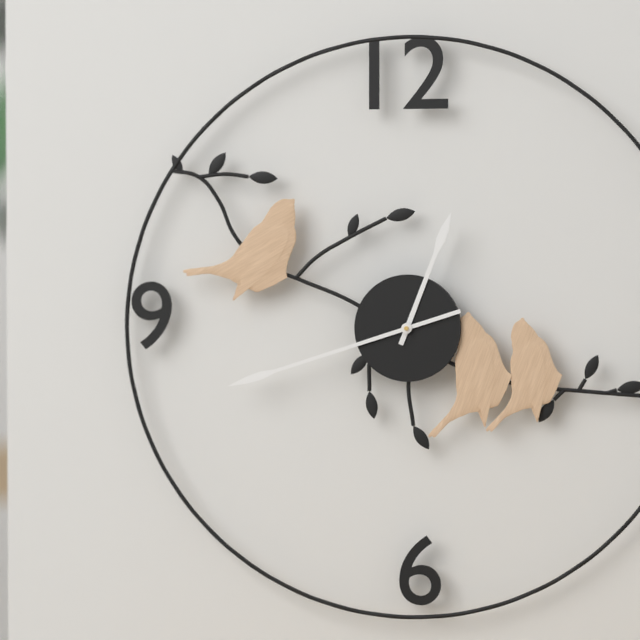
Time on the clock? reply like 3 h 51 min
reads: 12 h 42 min
